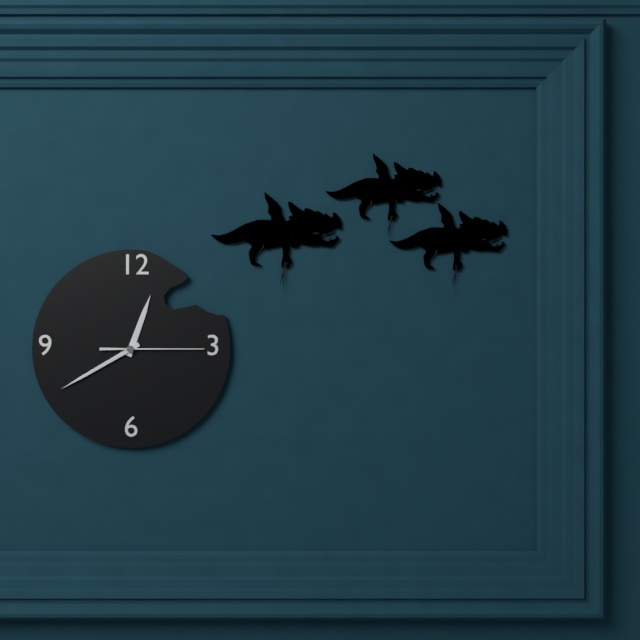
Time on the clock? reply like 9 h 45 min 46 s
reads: 12 h 40 min 15 s
